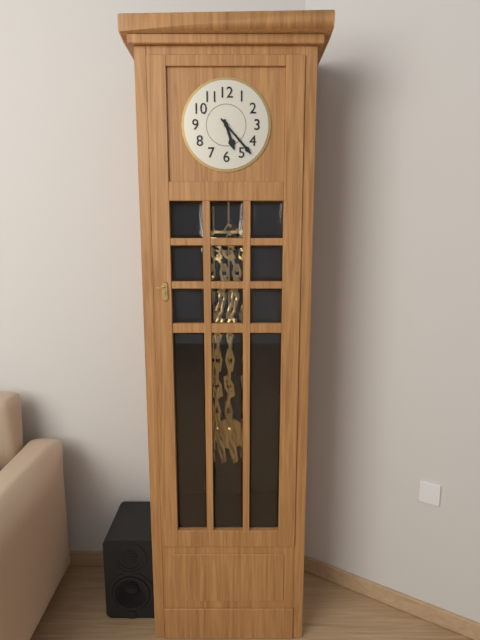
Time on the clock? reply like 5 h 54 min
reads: 5 h 23 min
